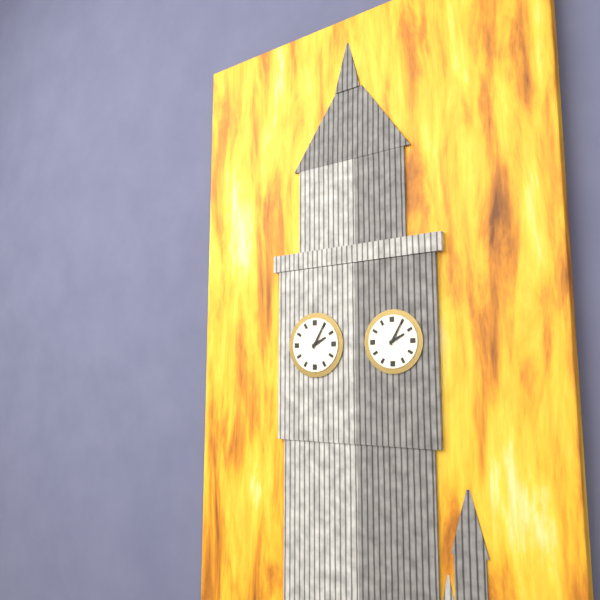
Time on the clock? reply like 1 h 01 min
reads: 2 h 05 min
